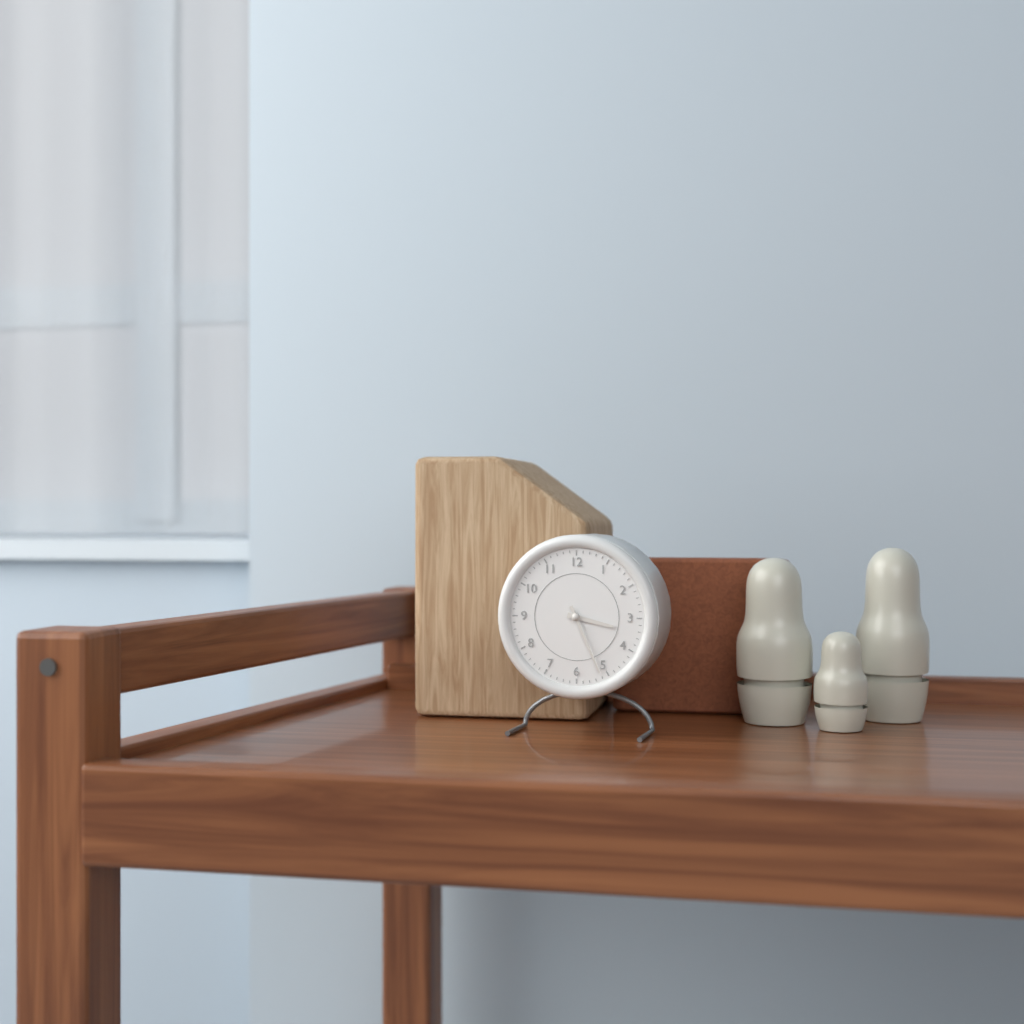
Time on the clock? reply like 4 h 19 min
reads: 3 h 26 min
